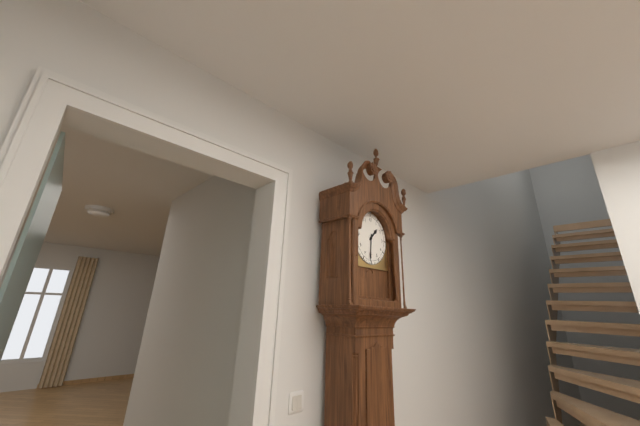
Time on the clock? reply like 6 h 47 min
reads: 1 h 31 min
